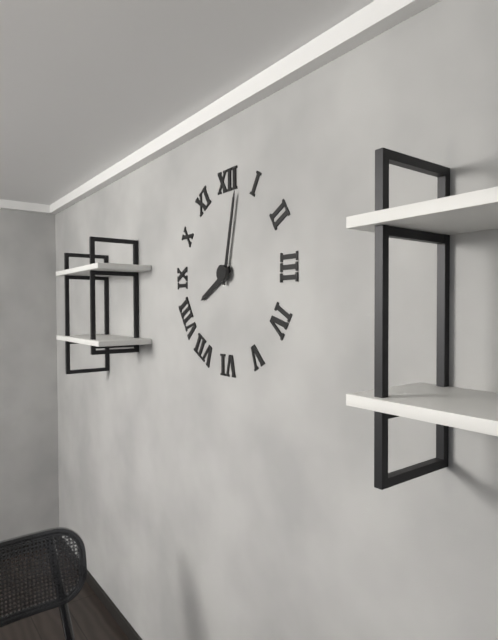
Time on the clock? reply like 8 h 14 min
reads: 8 h 02 min
